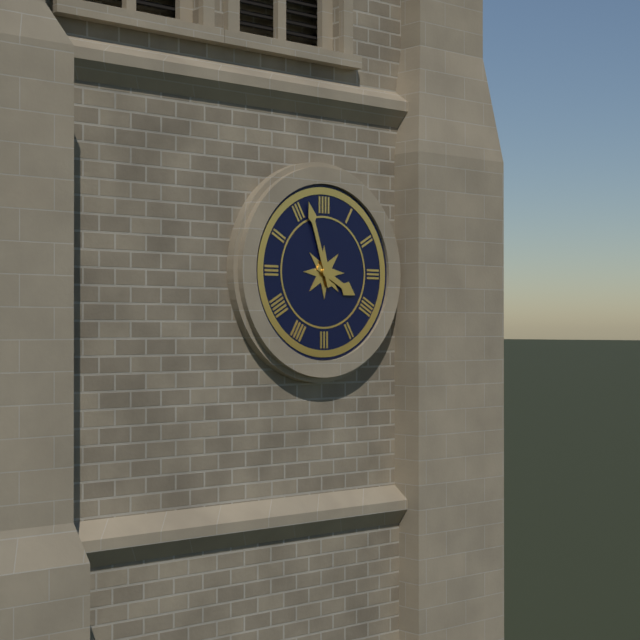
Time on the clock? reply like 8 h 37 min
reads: 3 h 57 min
